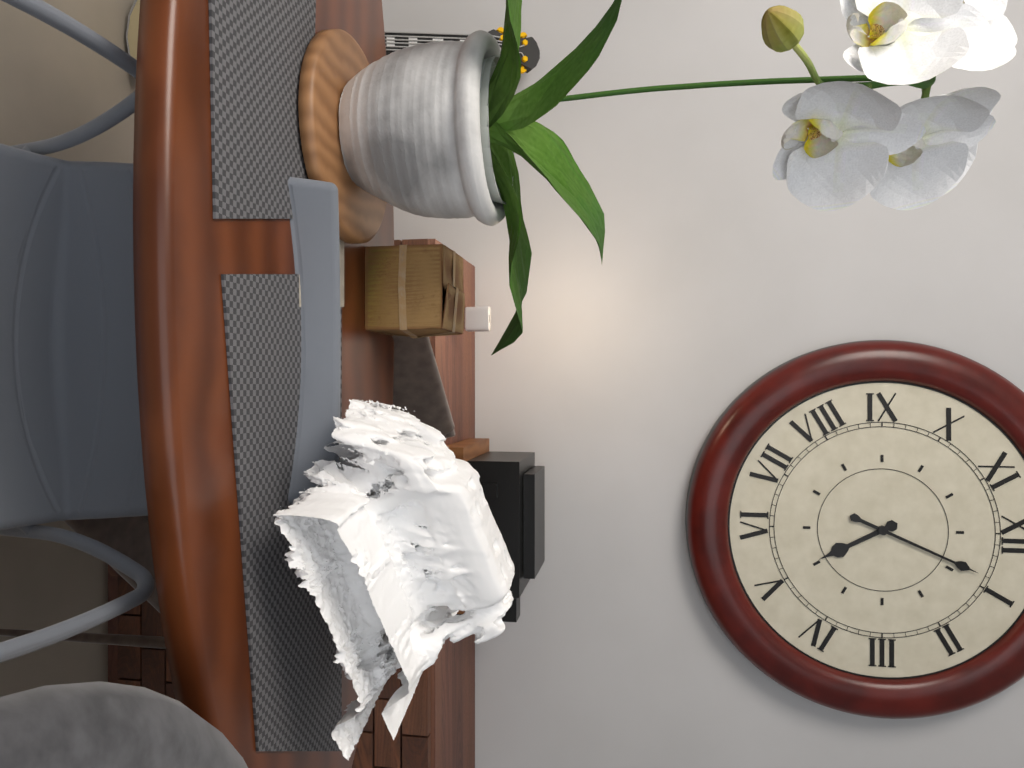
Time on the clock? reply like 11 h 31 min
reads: 5 h 04 min
